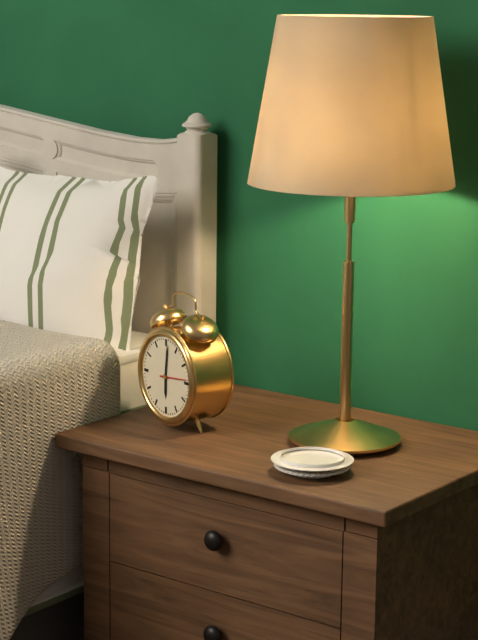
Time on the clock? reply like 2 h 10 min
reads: 6 h 01 min
